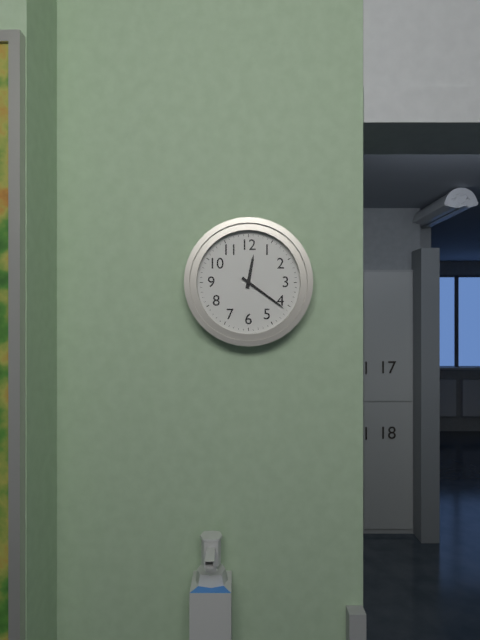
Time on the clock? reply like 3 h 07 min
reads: 12 h 21 min
